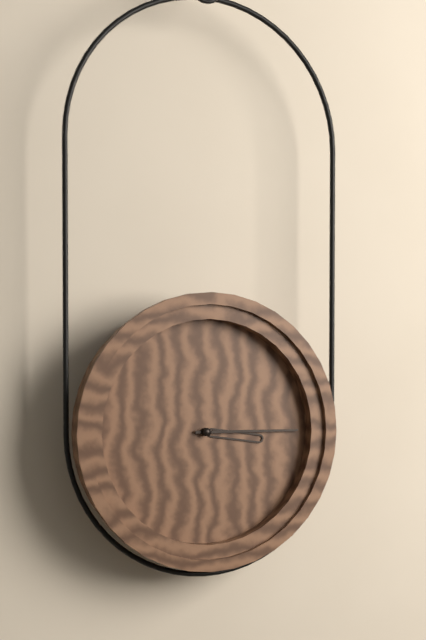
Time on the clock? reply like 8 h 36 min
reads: 3 h 15 min
